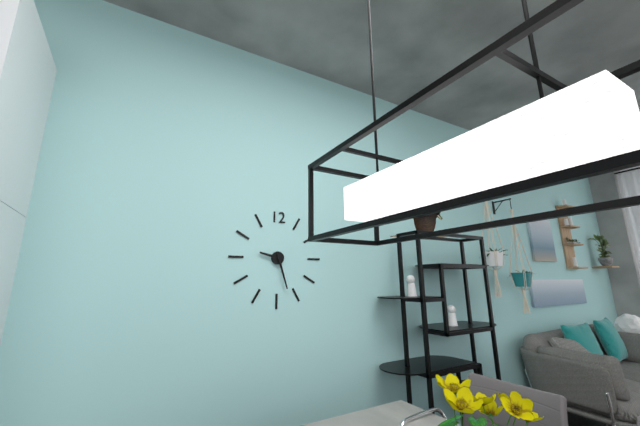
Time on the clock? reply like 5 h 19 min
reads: 9 h 27 min
